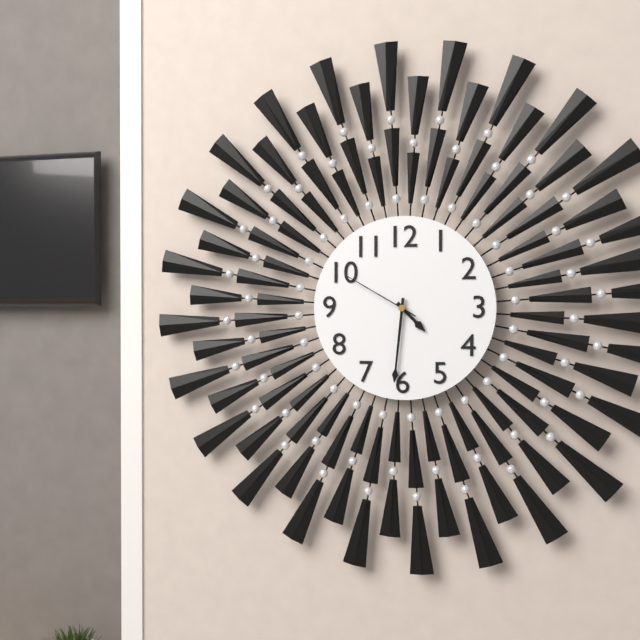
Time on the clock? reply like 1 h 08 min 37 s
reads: 4 h 31 min 50 s
